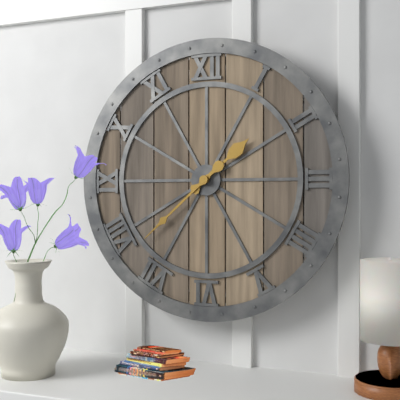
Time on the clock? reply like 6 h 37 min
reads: 1 h 38 min
